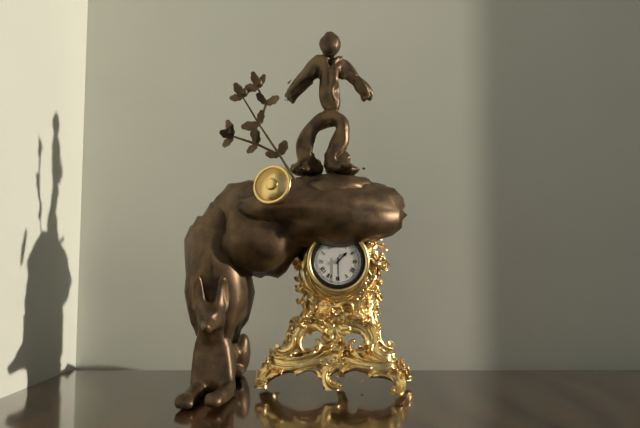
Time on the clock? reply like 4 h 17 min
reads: 1 h 30 min
